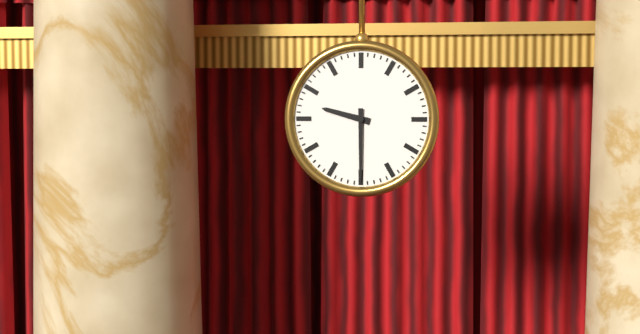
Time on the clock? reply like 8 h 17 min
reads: 9 h 30 min
